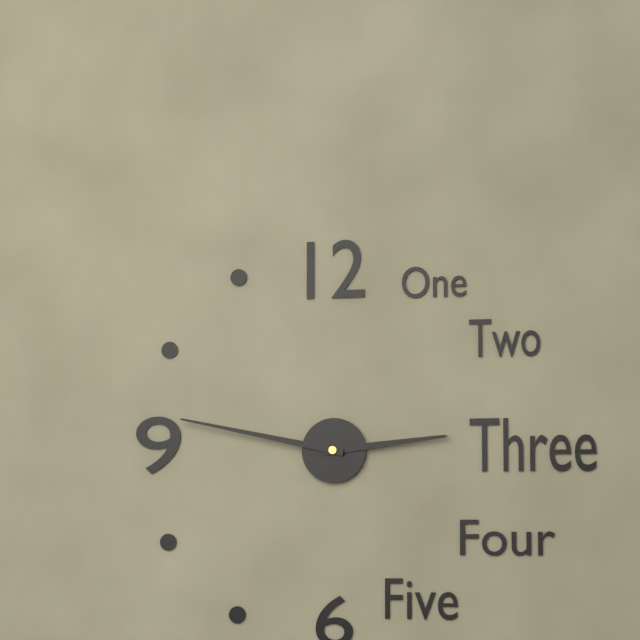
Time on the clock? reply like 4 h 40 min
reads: 2 h 47 min
